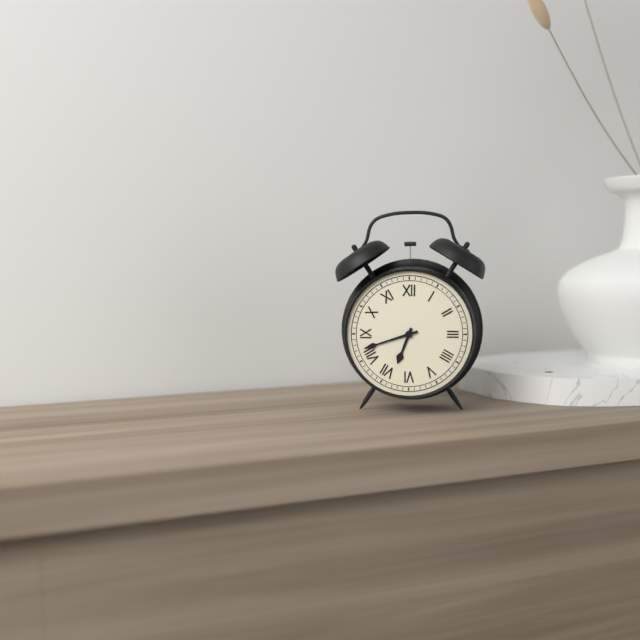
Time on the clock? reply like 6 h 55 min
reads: 6 h 42 min
